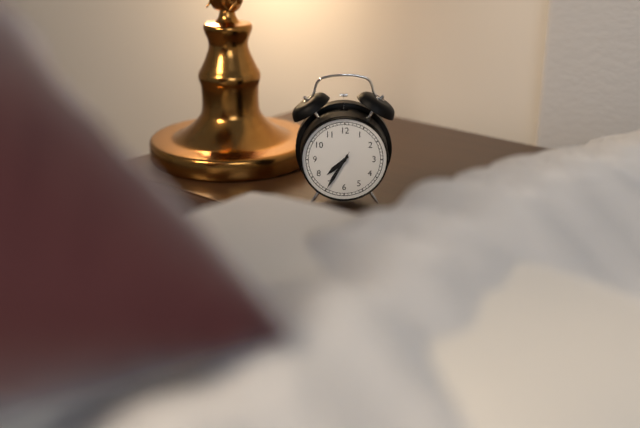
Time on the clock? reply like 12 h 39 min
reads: 7 h 35 min
